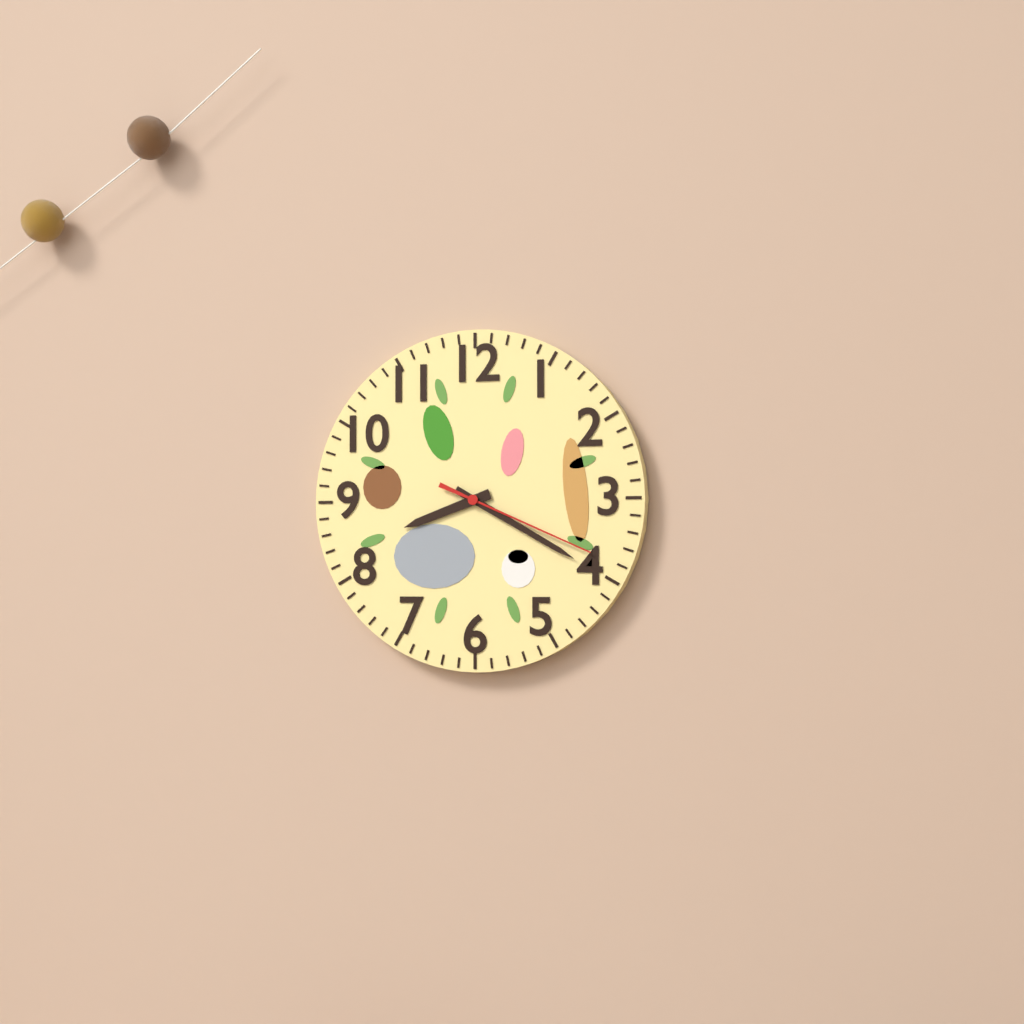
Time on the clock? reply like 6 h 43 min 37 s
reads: 8 h 20 min 19 s
